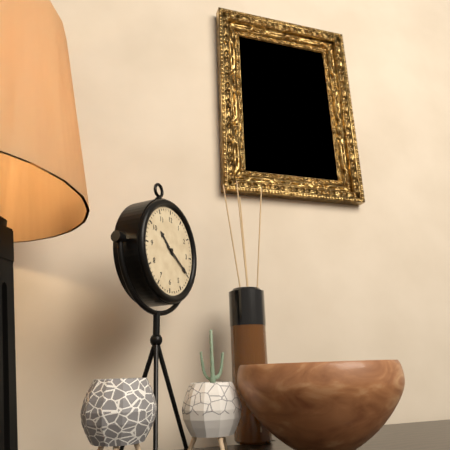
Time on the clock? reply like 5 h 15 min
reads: 10 h 20 min
